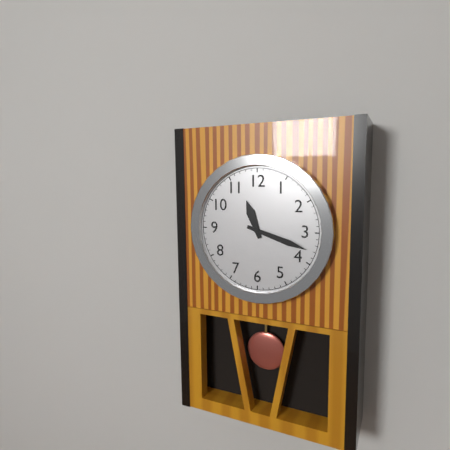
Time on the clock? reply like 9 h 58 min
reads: 11 h 18 min
